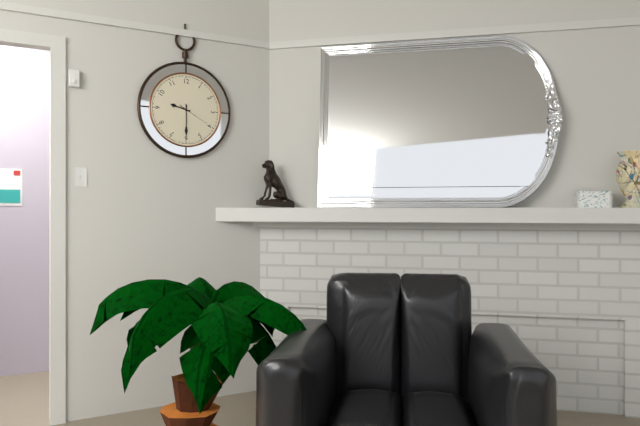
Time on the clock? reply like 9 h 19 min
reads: 9 h 30 min
